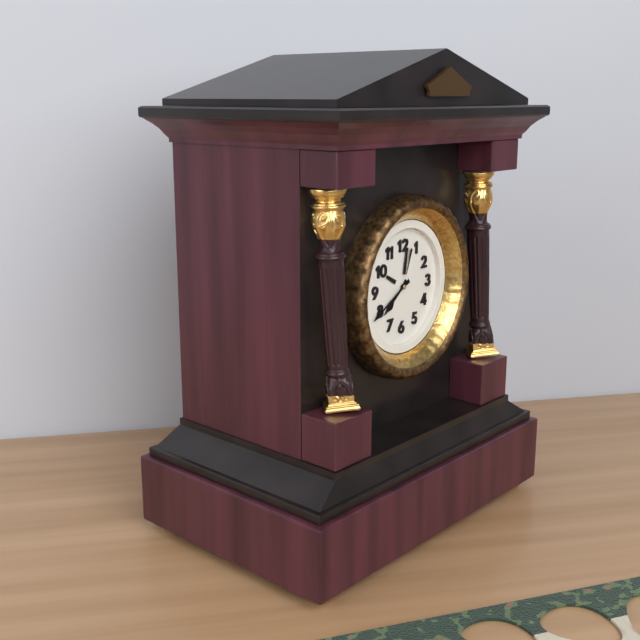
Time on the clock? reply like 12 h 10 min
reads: 7 h 40 min
